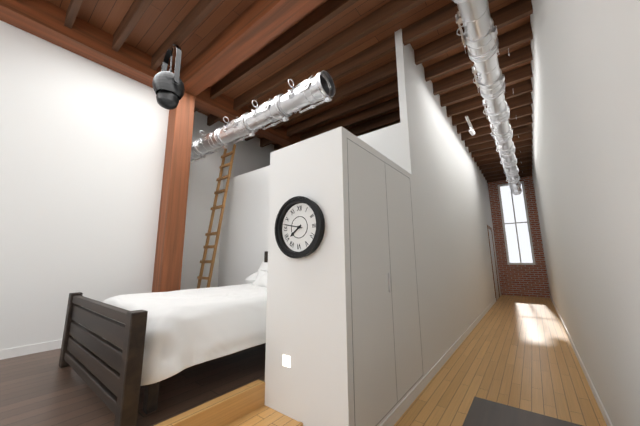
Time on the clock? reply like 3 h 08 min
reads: 7 h 47 min
